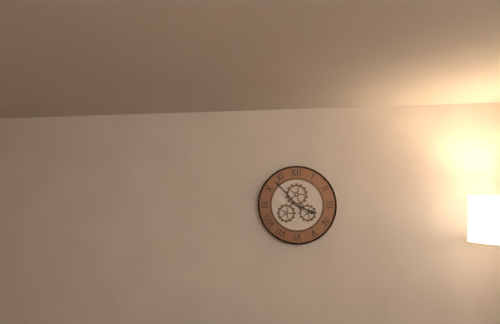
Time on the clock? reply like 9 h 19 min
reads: 3 h 53 min
